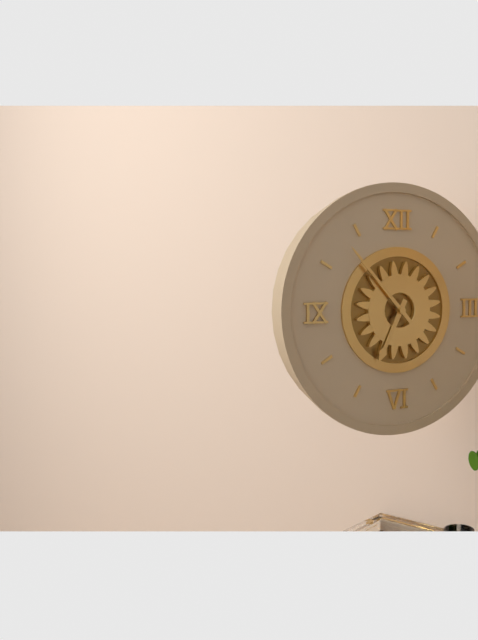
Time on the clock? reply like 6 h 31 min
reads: 6 h 53 min
